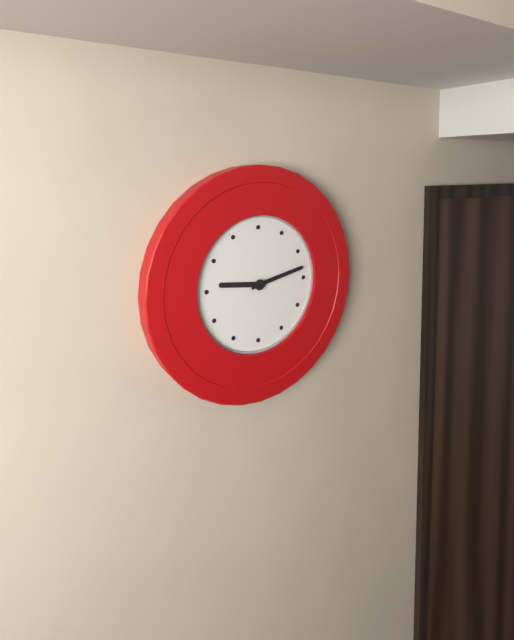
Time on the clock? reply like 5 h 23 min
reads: 9 h 13 min
